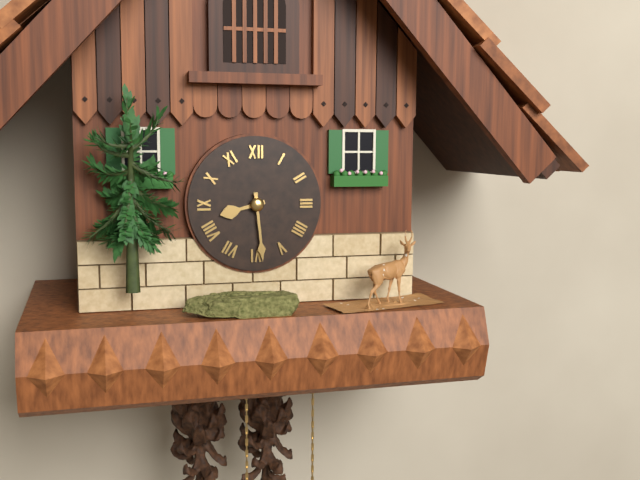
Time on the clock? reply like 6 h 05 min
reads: 8 h 29 min
